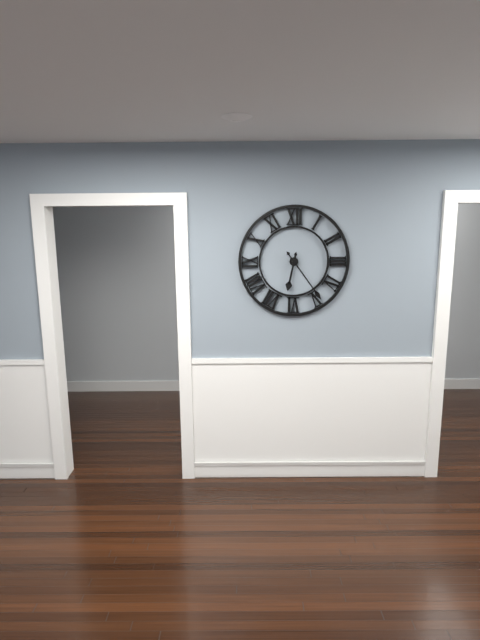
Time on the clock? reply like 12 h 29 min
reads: 6 h 24 min
